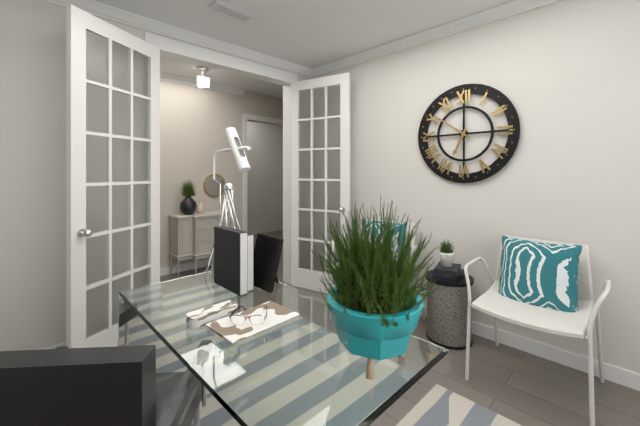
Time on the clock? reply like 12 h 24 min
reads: 6 h 51 min
